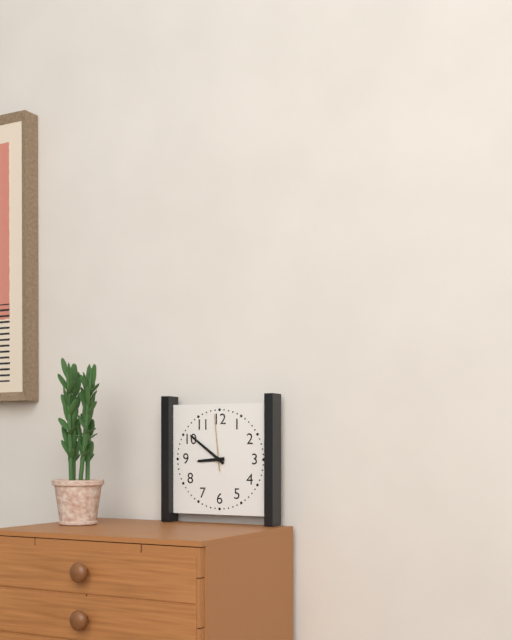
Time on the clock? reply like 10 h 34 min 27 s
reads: 8 h 51 min 59 s
